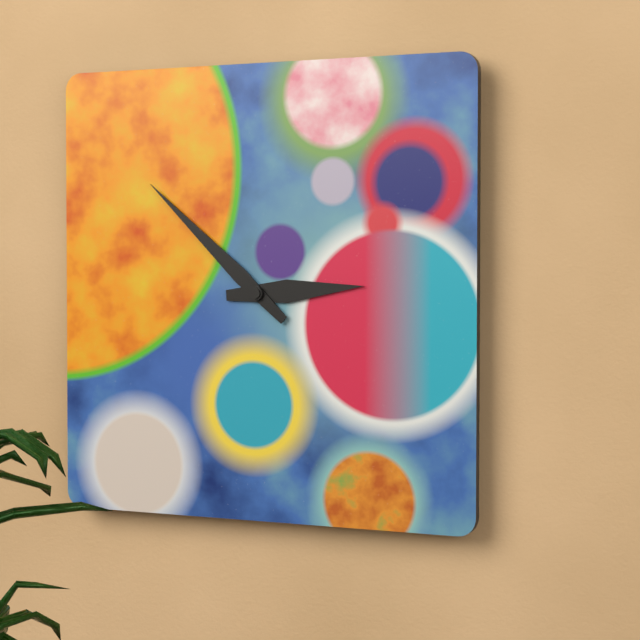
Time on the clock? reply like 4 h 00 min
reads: 2 h 52 min
